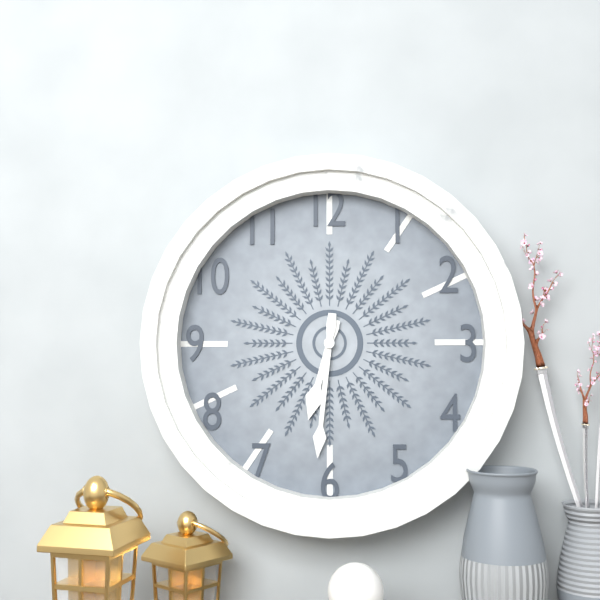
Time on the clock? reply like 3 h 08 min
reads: 6 h 31 min
